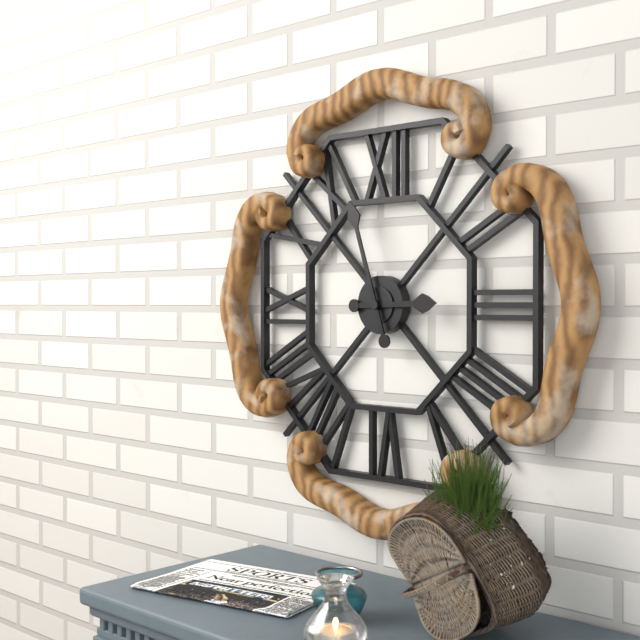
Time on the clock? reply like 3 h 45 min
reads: 2 h 57 min
